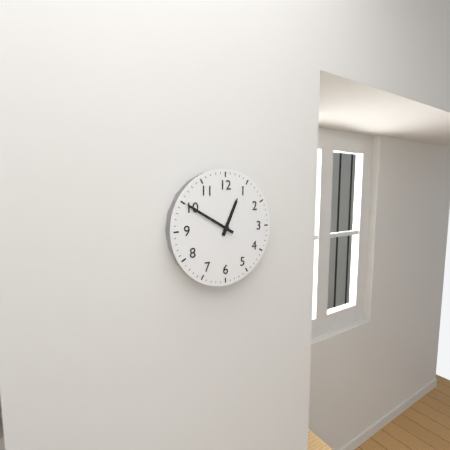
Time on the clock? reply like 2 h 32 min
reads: 12 h 50 min
